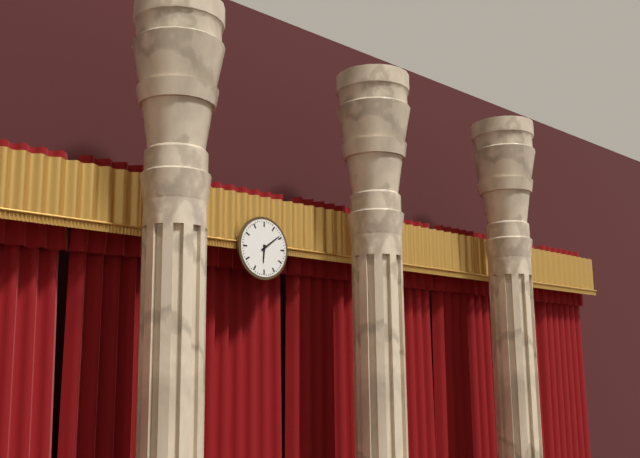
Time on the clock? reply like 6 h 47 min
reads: 6 h 09 min
